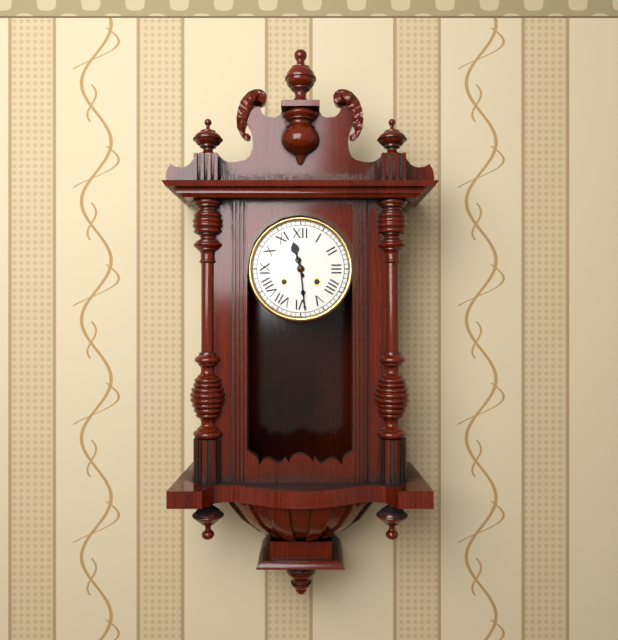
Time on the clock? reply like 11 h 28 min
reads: 11 h 29 min
